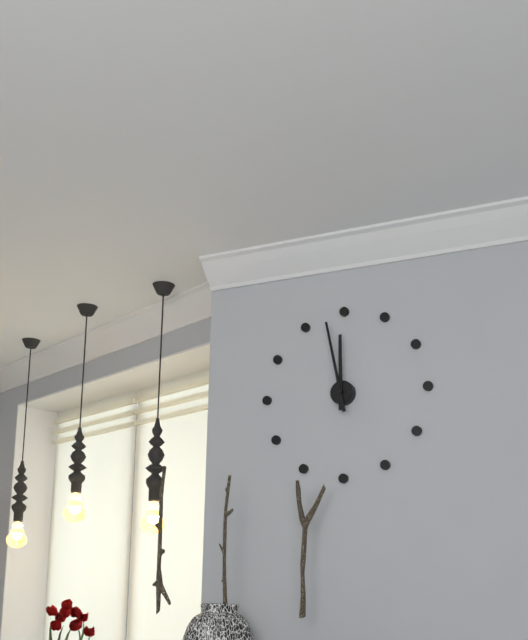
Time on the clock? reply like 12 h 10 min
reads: 11 h 58 min
